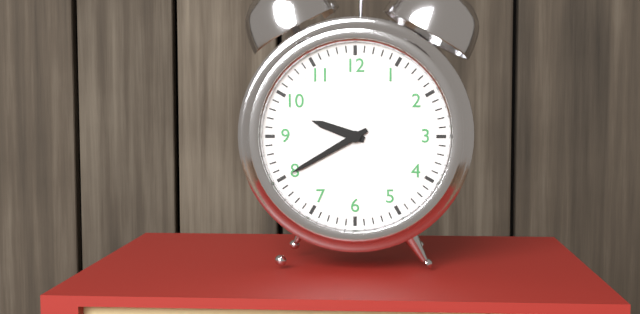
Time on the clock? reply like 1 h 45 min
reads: 9 h 40 min
